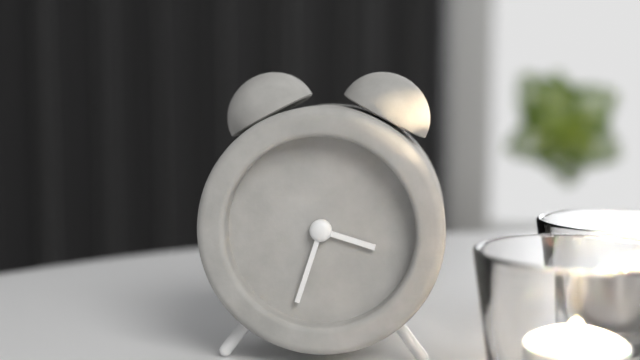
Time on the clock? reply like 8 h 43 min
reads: 3 h 33 min
